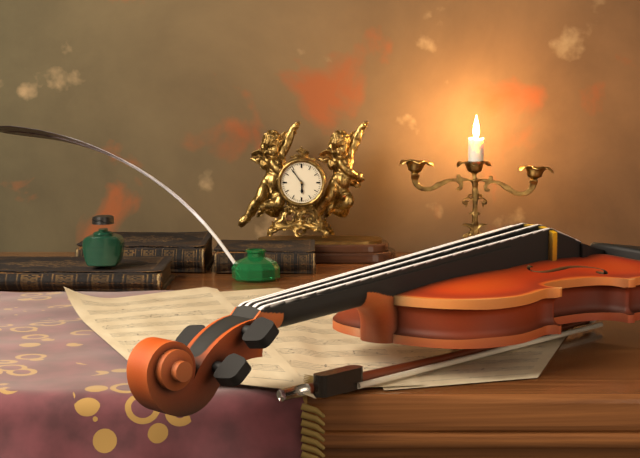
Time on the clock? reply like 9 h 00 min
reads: 5 h 54 min
